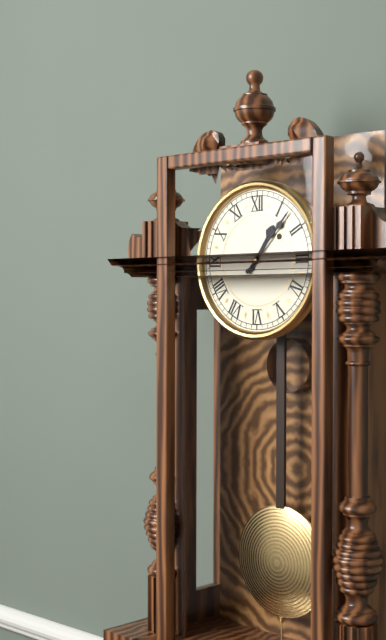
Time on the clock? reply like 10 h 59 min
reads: 1 h 07 min
